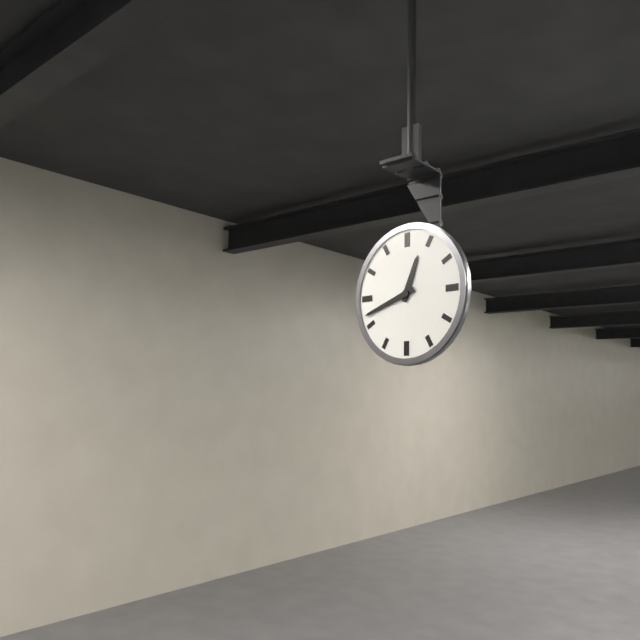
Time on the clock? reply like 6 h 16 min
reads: 12 h 42 min
